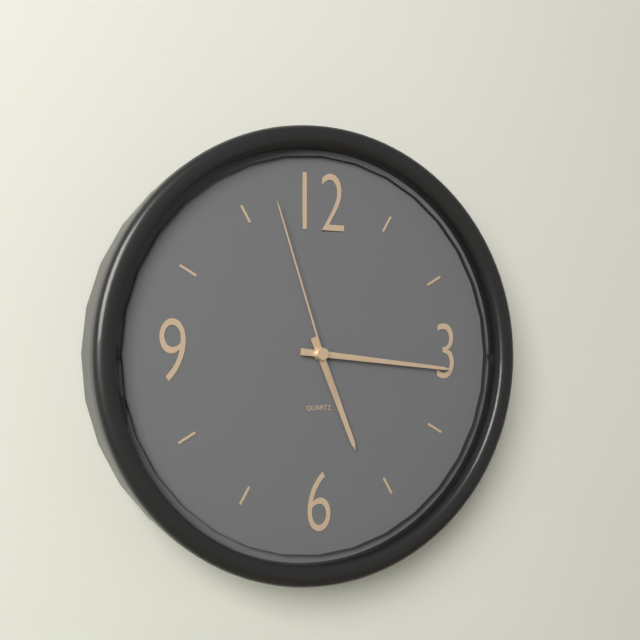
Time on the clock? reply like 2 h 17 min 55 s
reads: 5 h 16 min 57 s
